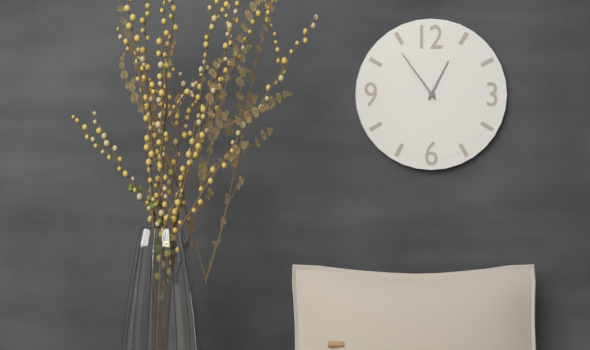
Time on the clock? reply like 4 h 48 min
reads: 12 h 54 min
